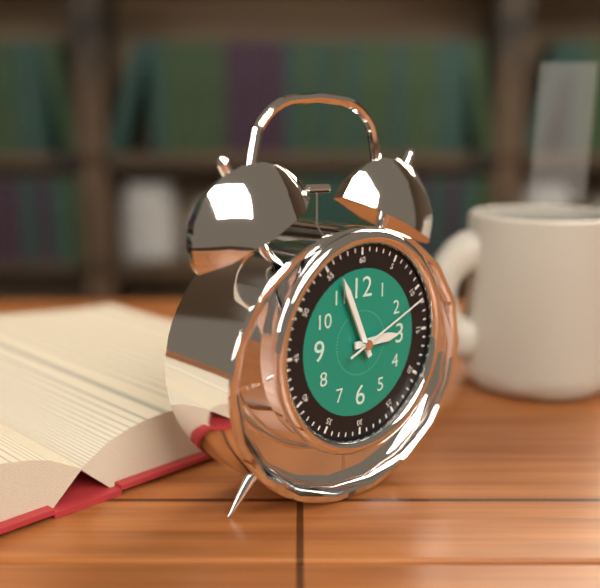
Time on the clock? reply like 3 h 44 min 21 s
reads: 2 h 56 min 11 s
